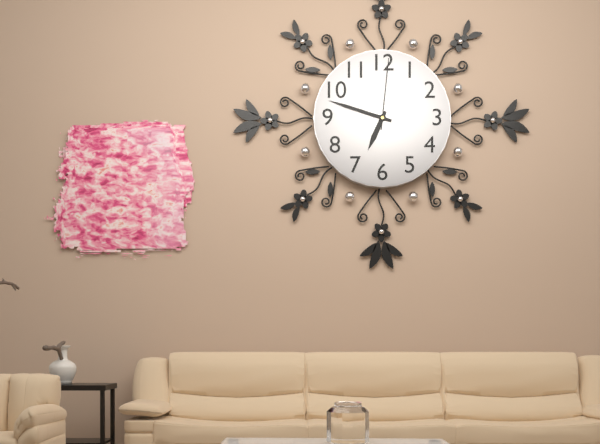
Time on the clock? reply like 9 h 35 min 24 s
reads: 6 h 48 min 01 s
